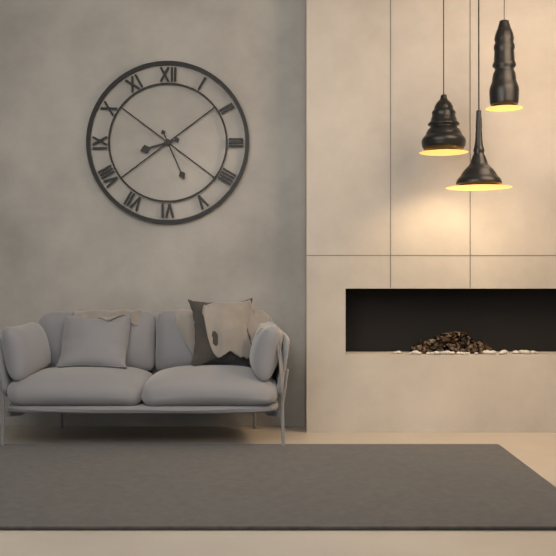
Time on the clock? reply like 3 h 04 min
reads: 8 h 26 min
